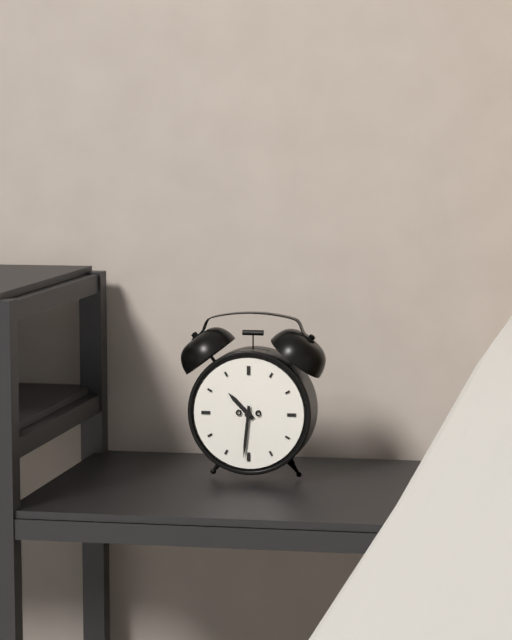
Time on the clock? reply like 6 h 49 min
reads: 10 h 31 min
